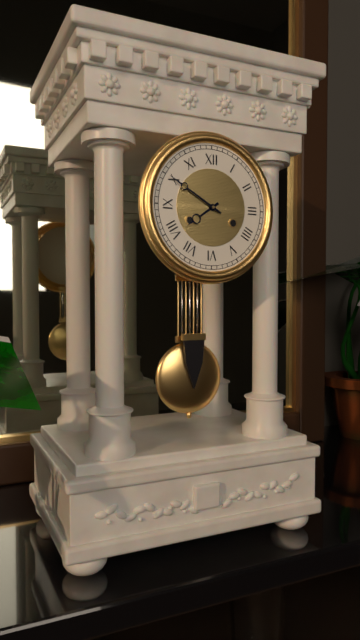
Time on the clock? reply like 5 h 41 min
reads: 7 h 50 min
